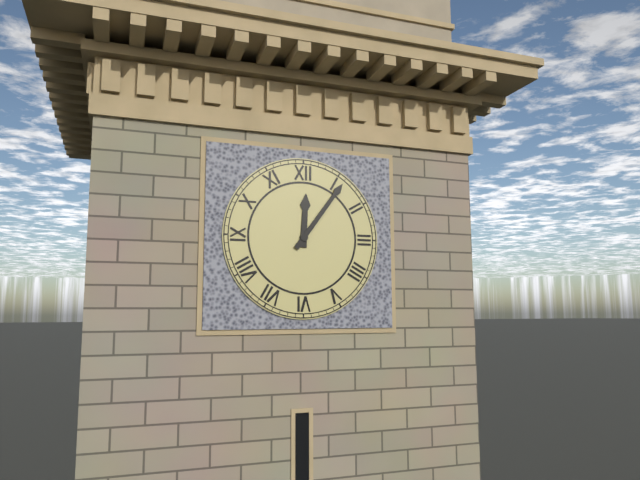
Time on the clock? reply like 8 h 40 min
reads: 12 h 06 min
